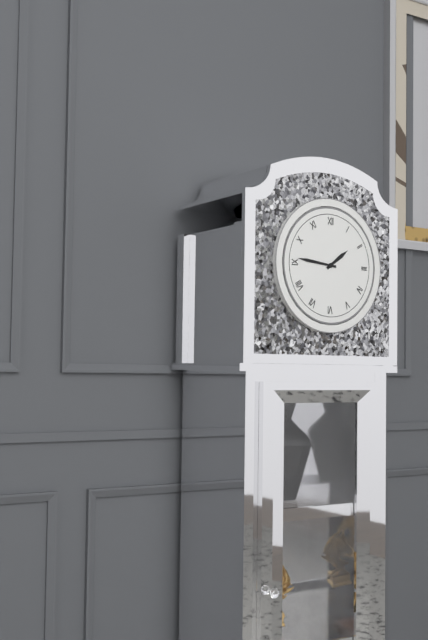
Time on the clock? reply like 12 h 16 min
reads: 1 h 46 min
